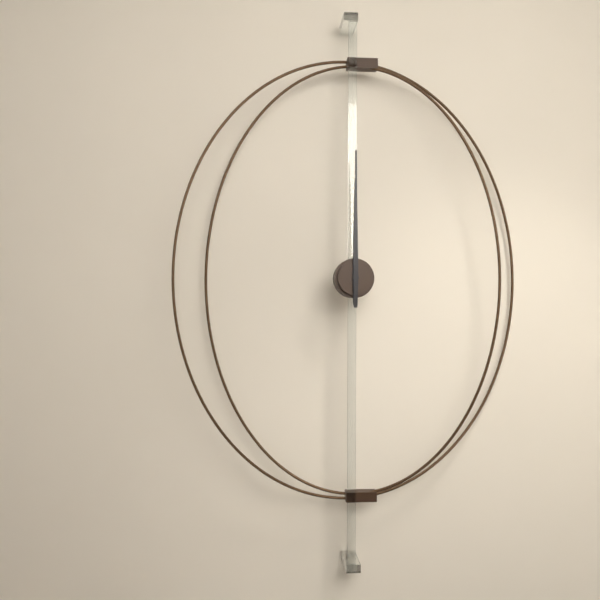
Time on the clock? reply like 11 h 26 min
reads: 12 h 00 min
